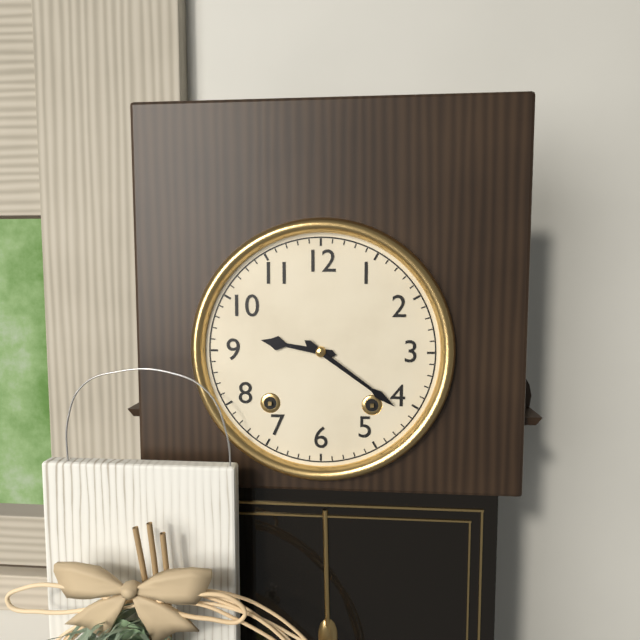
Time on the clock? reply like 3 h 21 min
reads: 9 h 21 min
